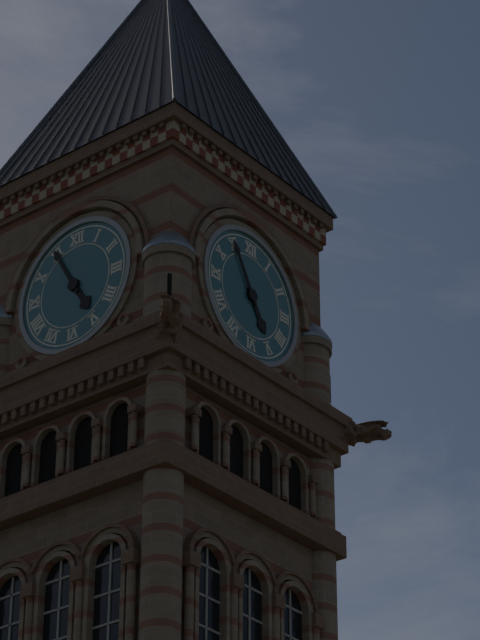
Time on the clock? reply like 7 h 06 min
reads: 4 h 55 min
